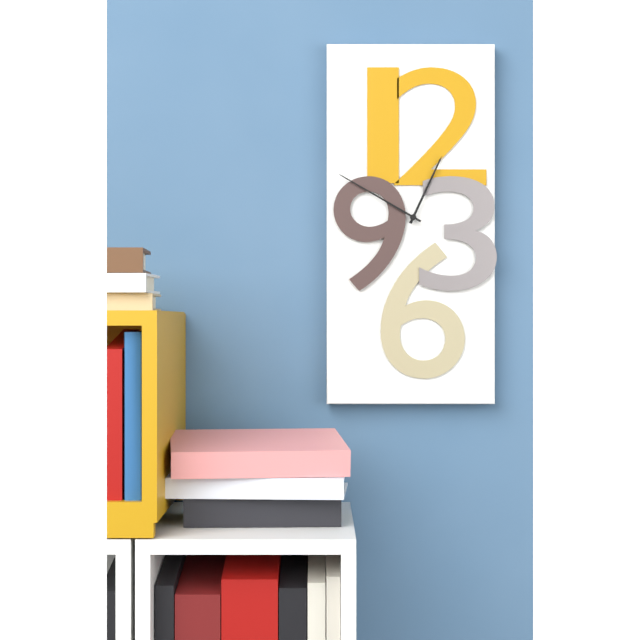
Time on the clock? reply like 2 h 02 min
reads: 12 h 50 min
